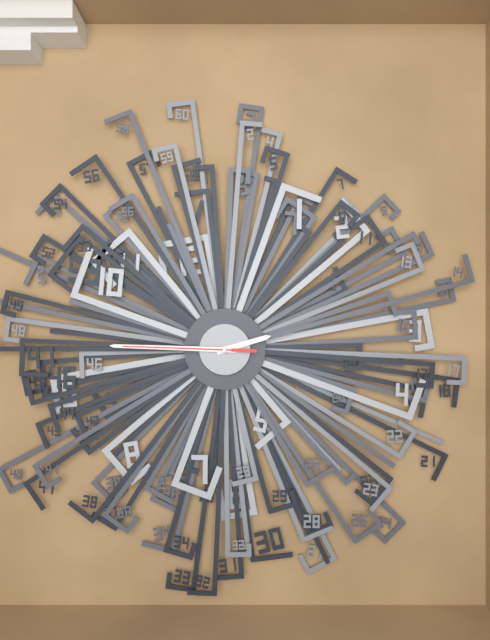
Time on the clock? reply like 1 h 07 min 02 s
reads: 2 h 47 min 47 s
